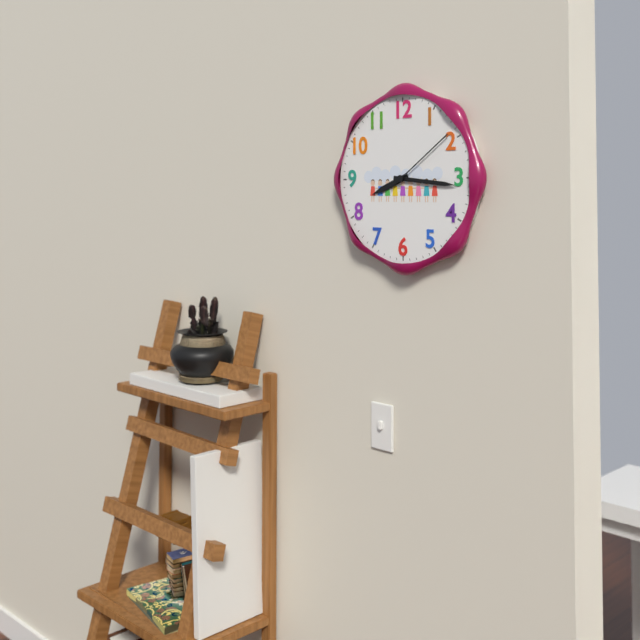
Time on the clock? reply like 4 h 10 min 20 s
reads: 8 h 16 min 09 s
